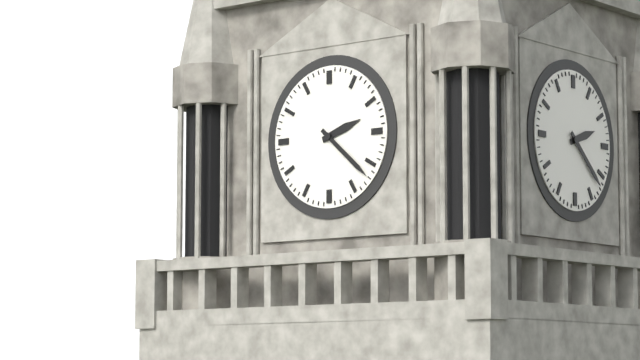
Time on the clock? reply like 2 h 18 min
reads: 2 h 22 min
